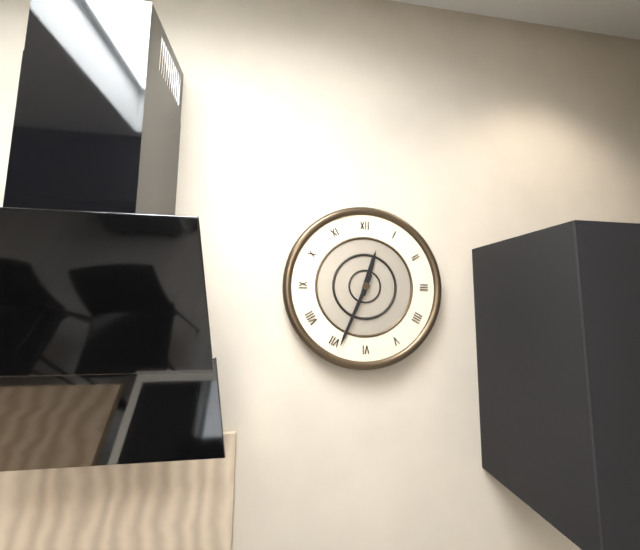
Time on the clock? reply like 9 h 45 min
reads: 12 h 34 min
